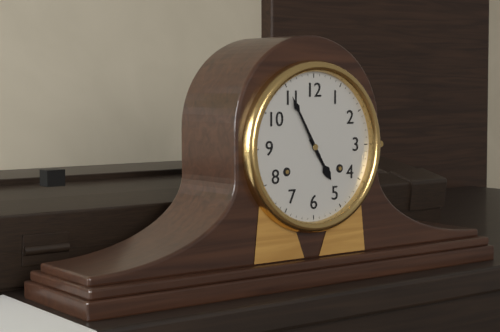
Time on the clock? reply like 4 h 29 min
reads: 4 h 55 min
